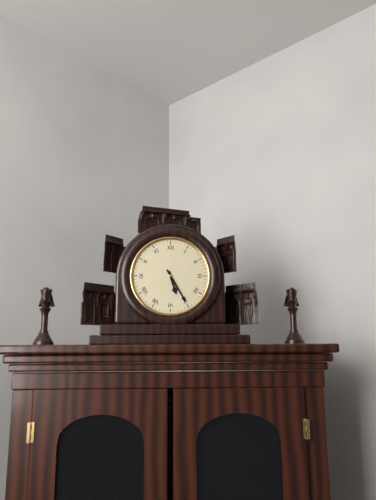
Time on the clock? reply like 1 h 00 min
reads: 5 h 25 min
